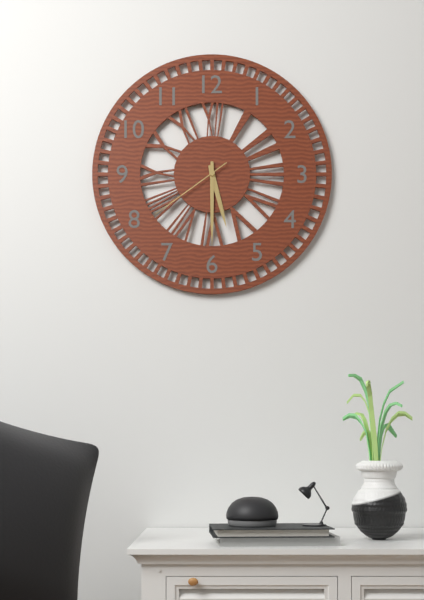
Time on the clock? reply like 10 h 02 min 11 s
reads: 5 h 30 min 39 s
